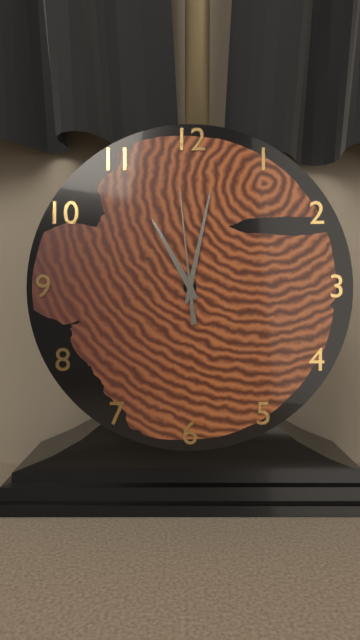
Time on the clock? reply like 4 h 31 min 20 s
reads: 11 h 02 min 59 s
